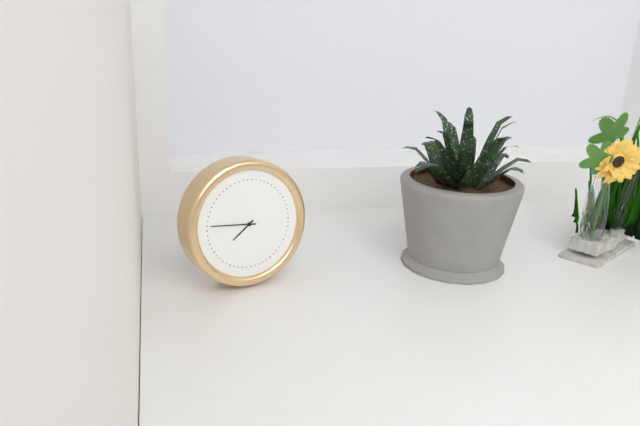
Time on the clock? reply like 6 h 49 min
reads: 7 h 46 min
